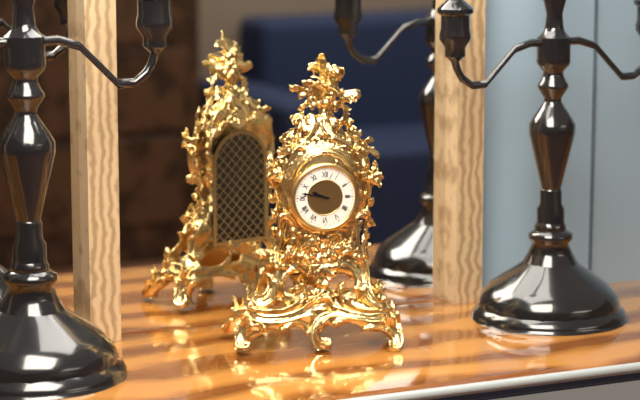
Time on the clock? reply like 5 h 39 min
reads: 9 h 47 min
